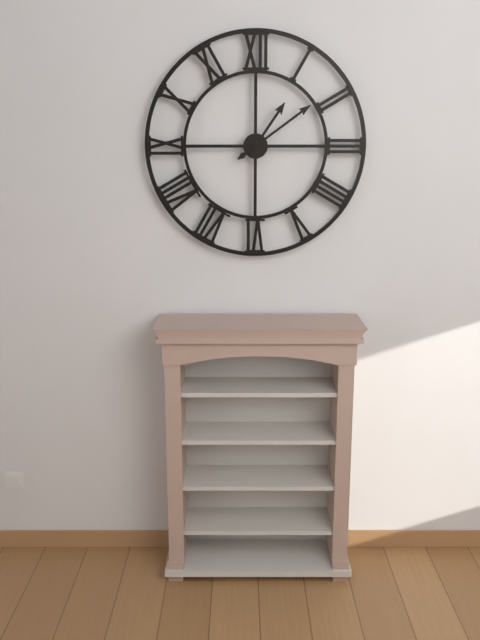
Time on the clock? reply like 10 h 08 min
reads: 1 h 09 min
